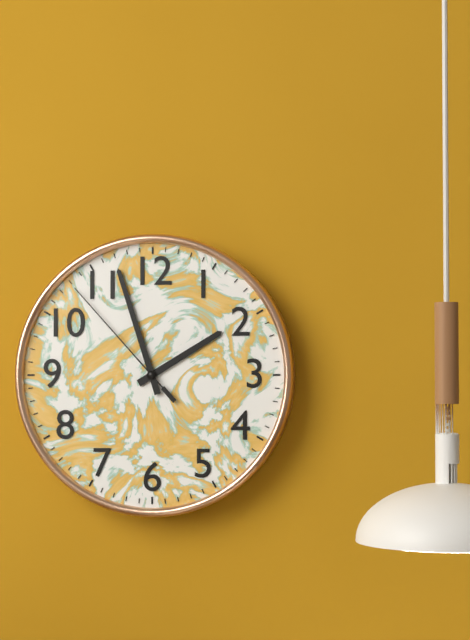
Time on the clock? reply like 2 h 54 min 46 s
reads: 1 h 57 min 53 s
